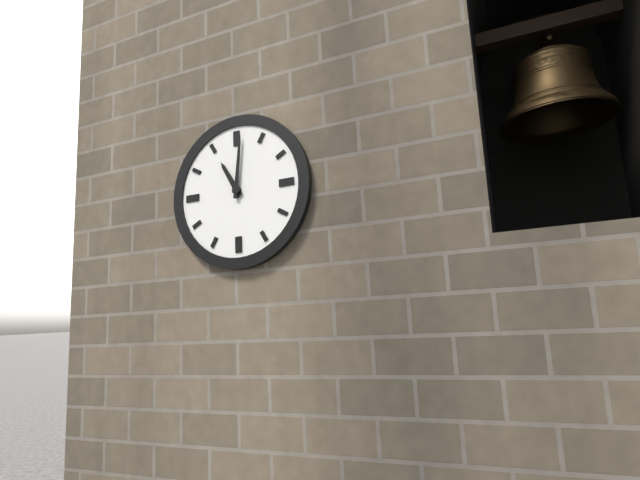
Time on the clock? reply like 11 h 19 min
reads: 11 h 01 min
